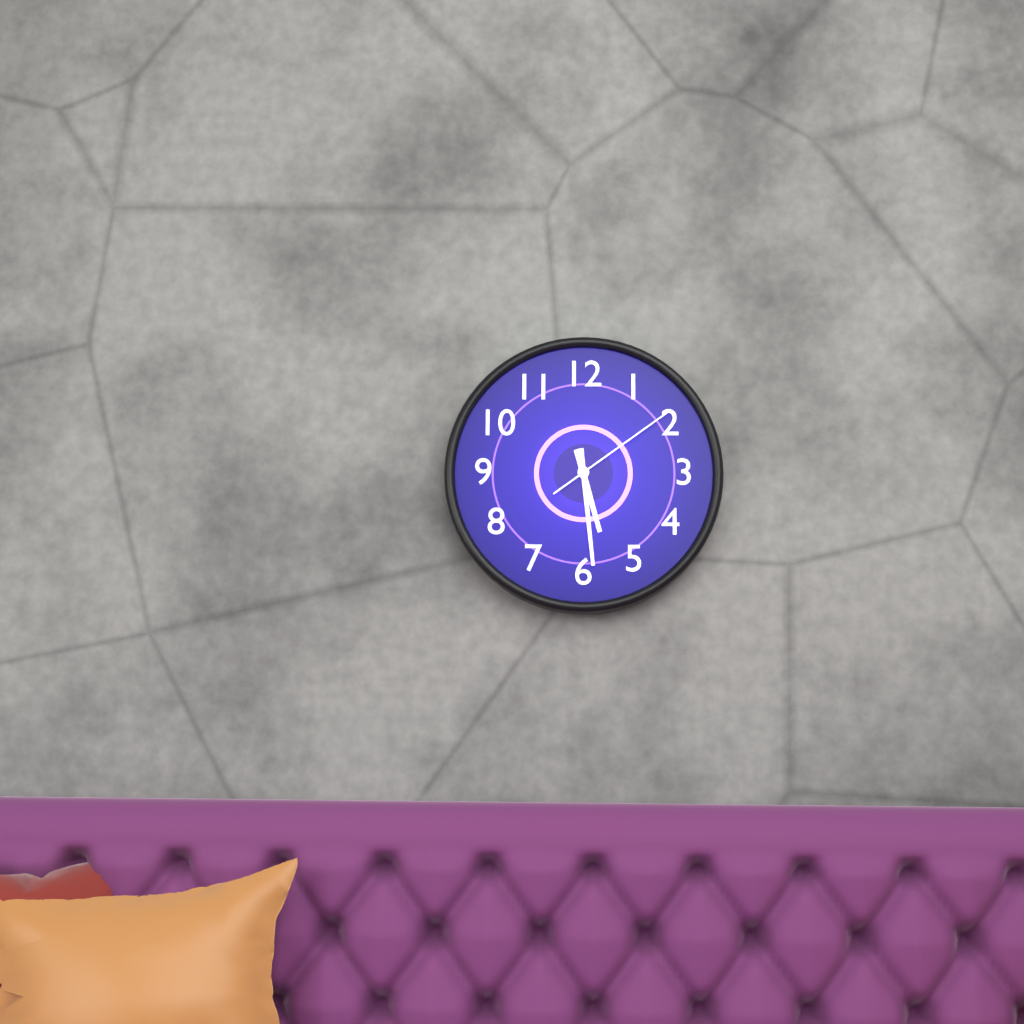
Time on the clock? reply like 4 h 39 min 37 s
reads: 5 h 29 min 09 s
